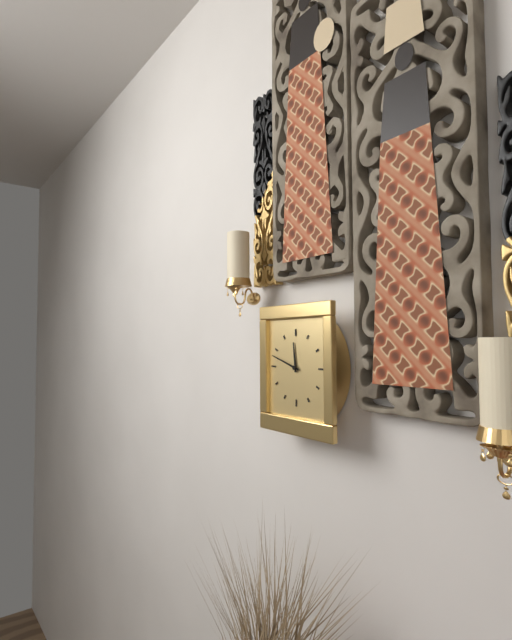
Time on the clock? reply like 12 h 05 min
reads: 11 h 48 min
